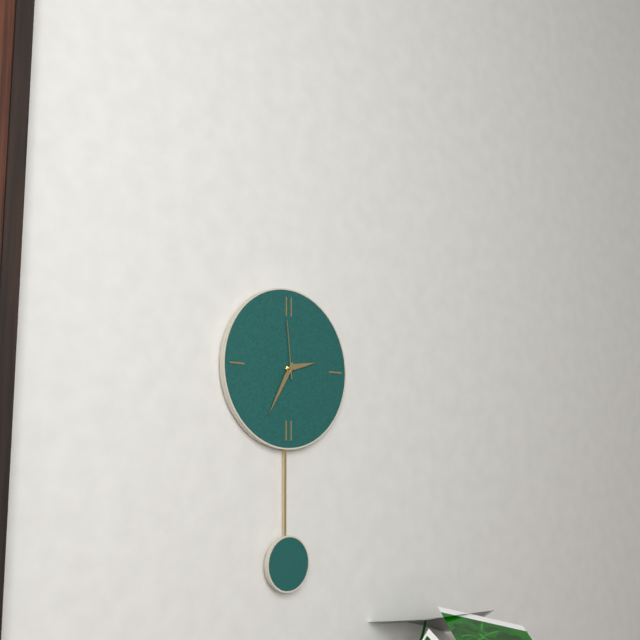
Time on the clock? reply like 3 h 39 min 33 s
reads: 2 h 35 min 59 s
